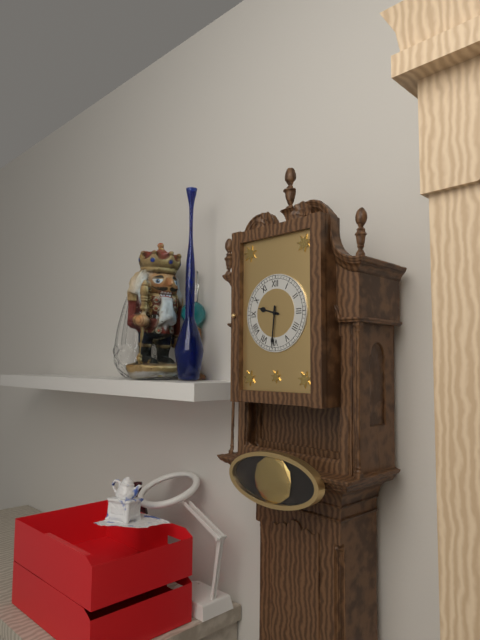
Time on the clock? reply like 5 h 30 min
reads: 9 h 31 min
